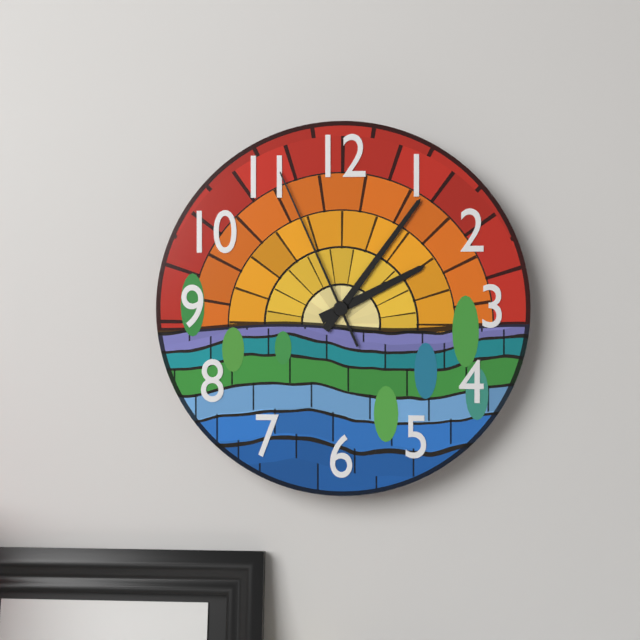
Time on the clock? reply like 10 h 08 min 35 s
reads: 2 h 06 min 56 s
